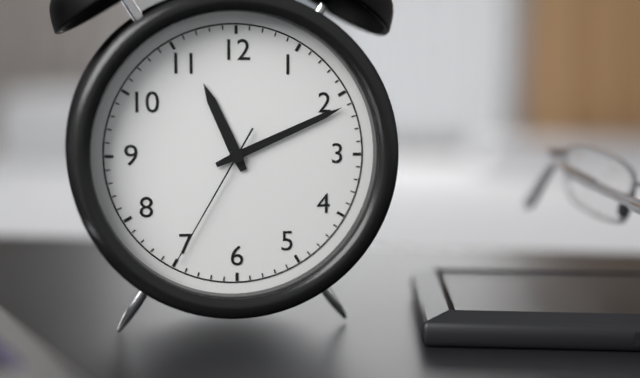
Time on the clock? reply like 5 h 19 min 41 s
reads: 11 h 11 min 35 s
